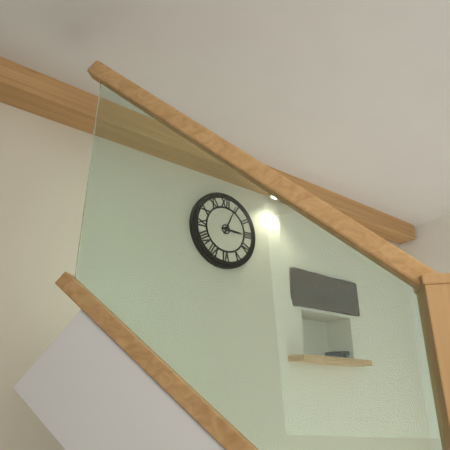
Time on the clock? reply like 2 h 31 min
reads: 3 h 04 min
